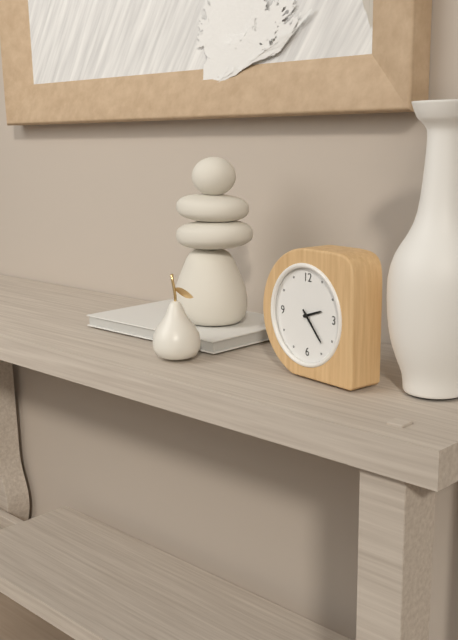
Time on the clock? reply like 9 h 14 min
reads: 2 h 23 min
